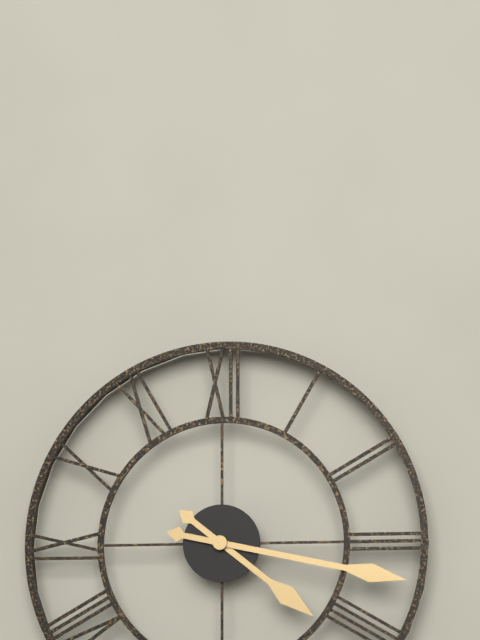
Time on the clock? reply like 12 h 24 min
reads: 4 h 17 min
